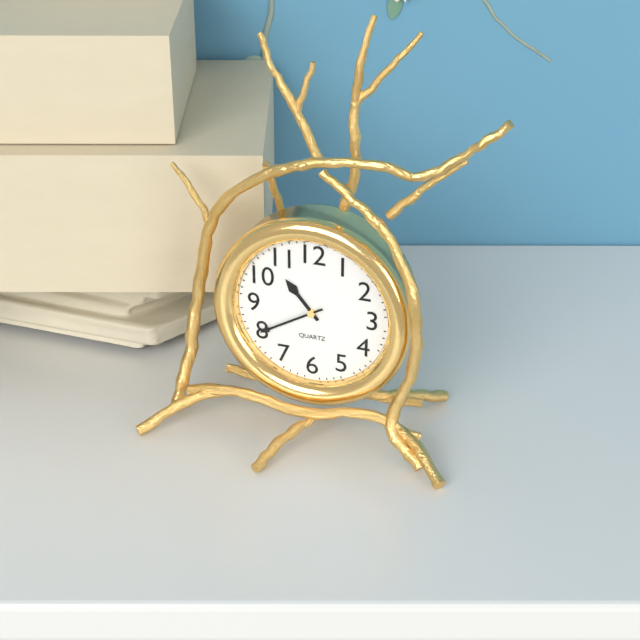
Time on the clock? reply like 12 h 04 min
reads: 10 h 40 min
